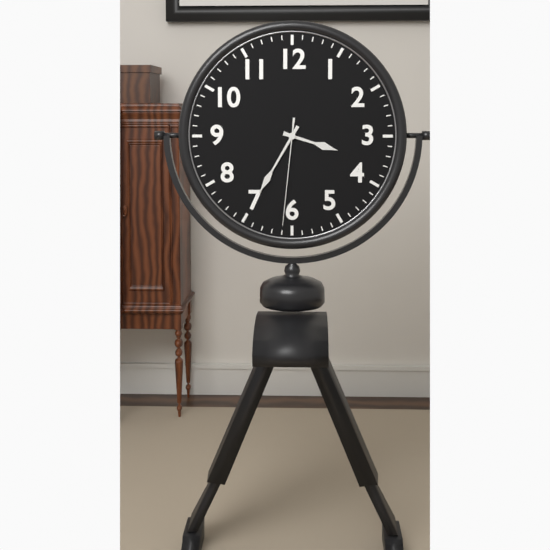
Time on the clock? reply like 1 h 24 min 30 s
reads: 3 h 35 min 31 s
